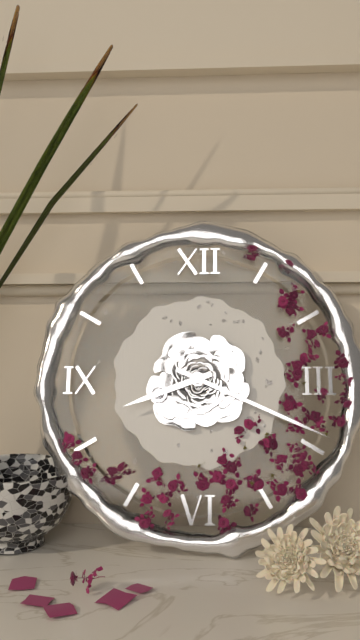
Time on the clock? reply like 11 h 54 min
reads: 8 h 19 min
